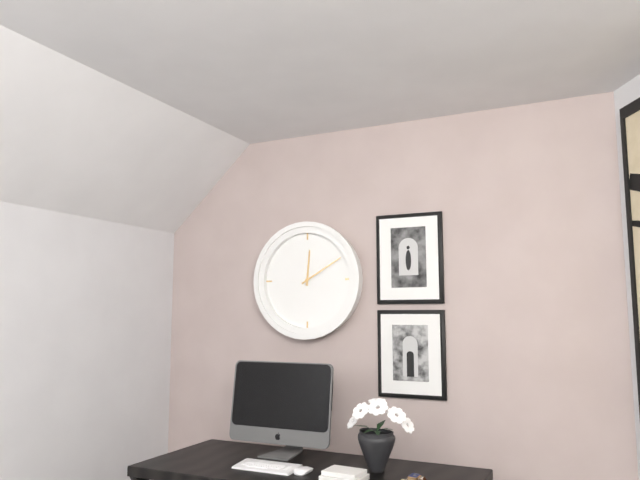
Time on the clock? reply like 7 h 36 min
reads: 12 h 10 min
